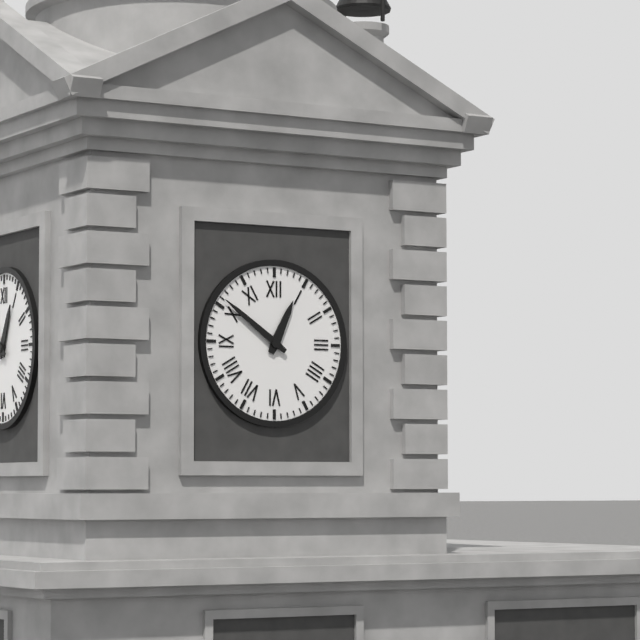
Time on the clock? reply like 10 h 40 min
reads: 12 h 51 min
